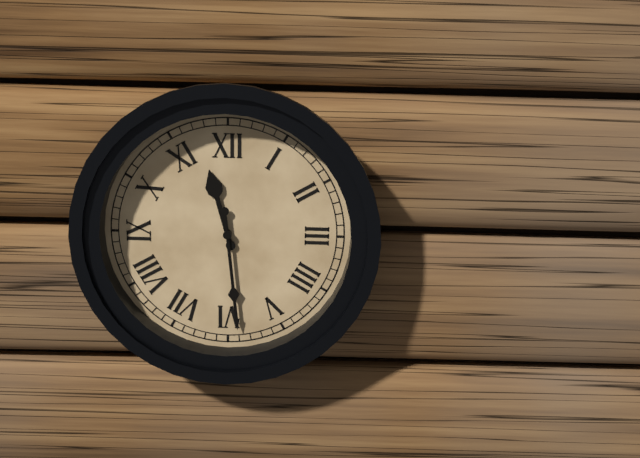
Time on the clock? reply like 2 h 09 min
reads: 11 h 29 min
